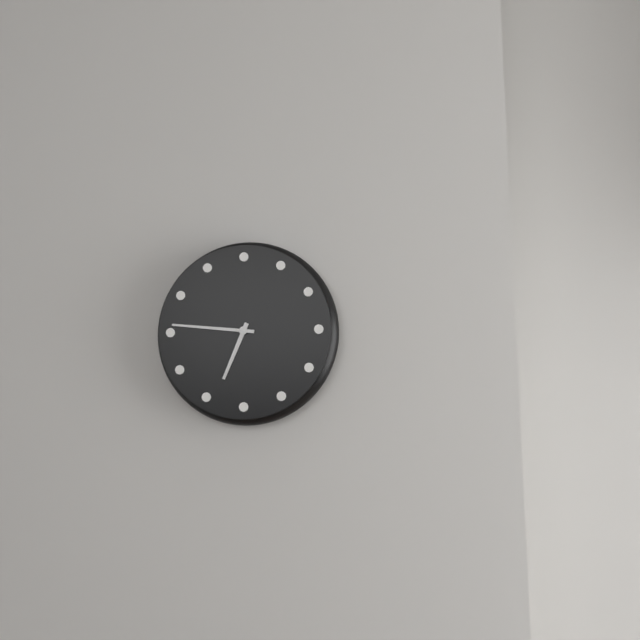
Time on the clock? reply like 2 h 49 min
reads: 6 h 46 min
